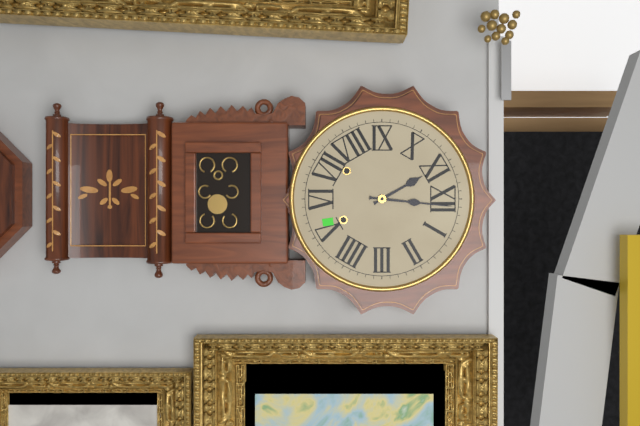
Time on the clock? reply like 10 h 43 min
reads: 11 h 01 min
